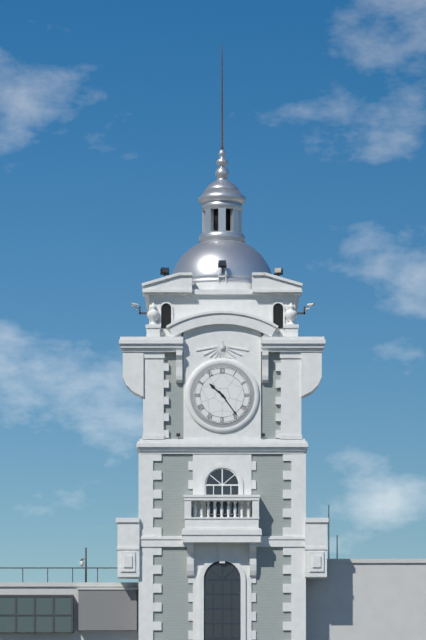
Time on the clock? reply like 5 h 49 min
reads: 10 h 24 min
